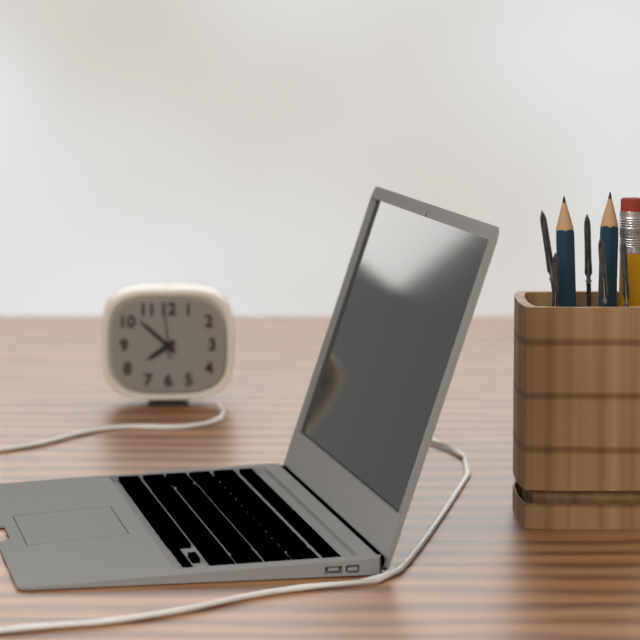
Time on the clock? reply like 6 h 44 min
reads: 7 h 52 min
